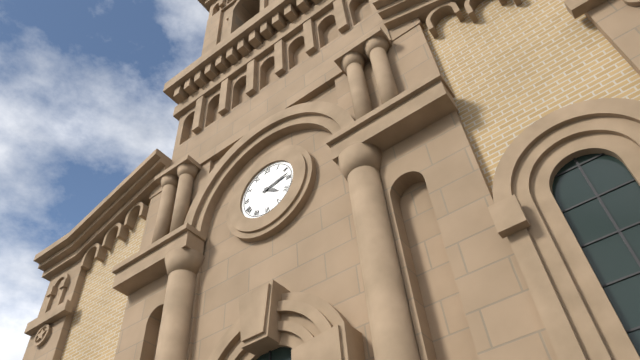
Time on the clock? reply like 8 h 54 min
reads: 4 h 13 min
